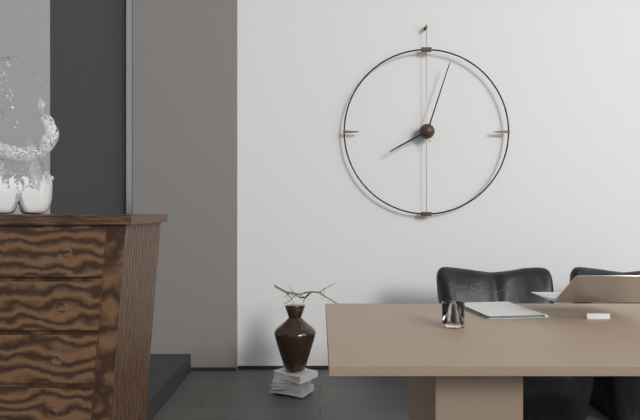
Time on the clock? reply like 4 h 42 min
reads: 8 h 03 min
